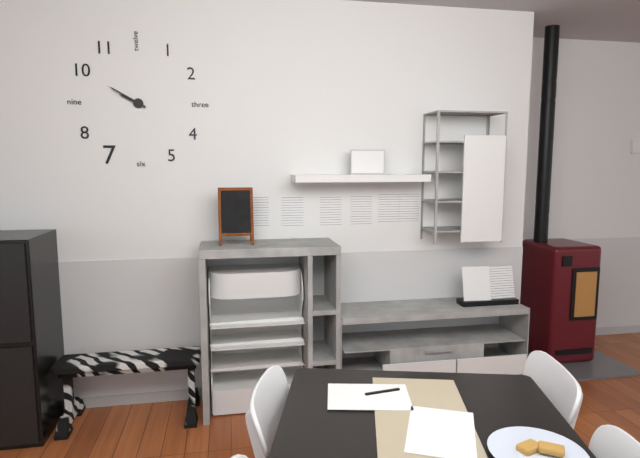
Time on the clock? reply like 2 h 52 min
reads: 9 h 50 min
